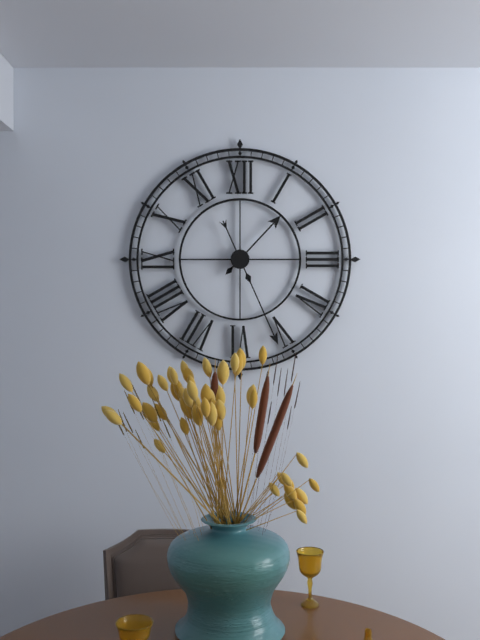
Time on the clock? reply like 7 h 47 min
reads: 1 h 26 min
